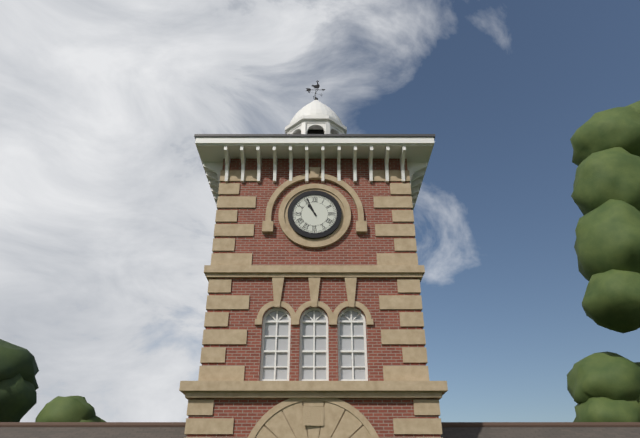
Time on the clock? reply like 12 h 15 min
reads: 10 h 56 min
